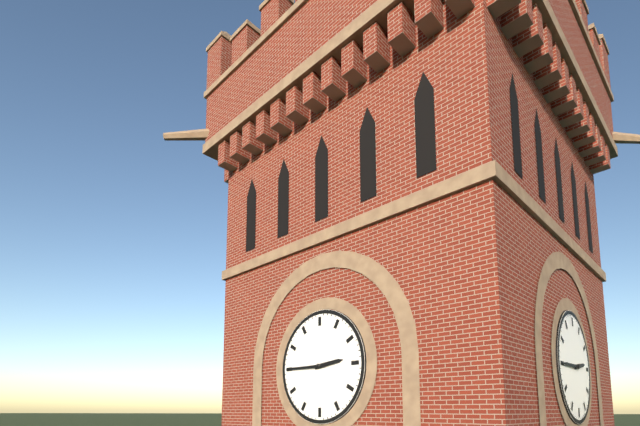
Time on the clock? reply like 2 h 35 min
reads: 2 h 45 min
